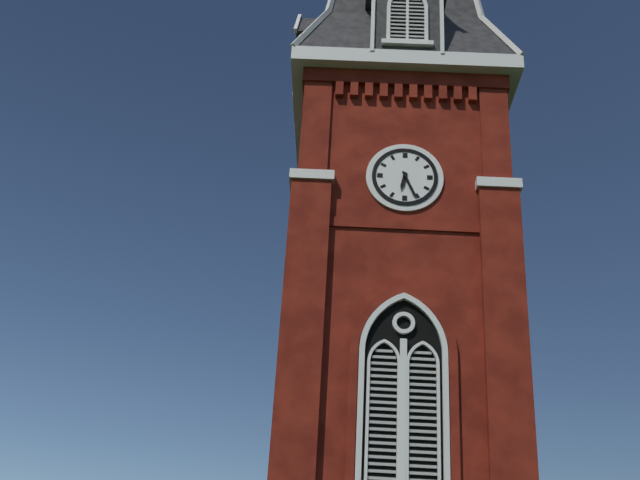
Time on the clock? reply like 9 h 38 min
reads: 6 h 26 min
